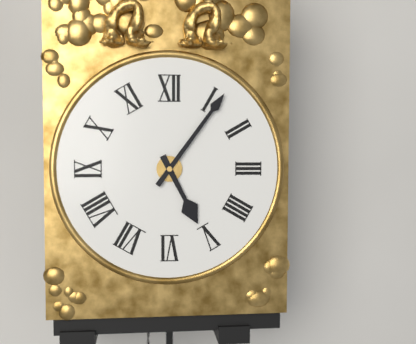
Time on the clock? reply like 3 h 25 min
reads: 5 h 06 min
